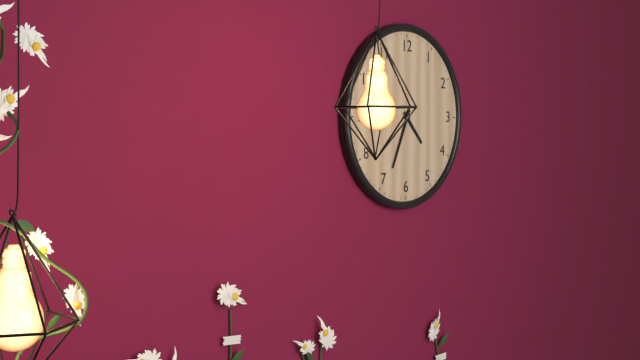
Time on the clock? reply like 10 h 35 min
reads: 4 h 34 min
